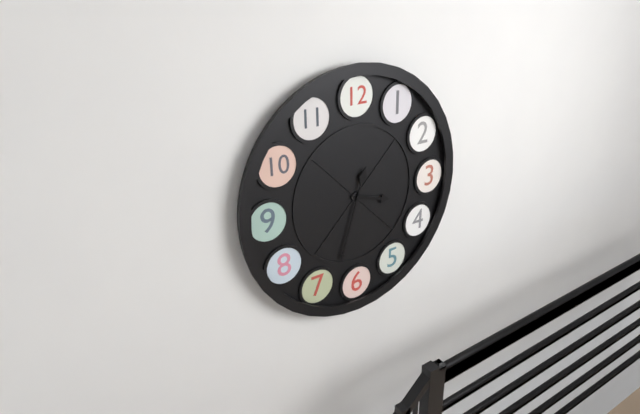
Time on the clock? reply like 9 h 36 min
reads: 3 h 33 min
